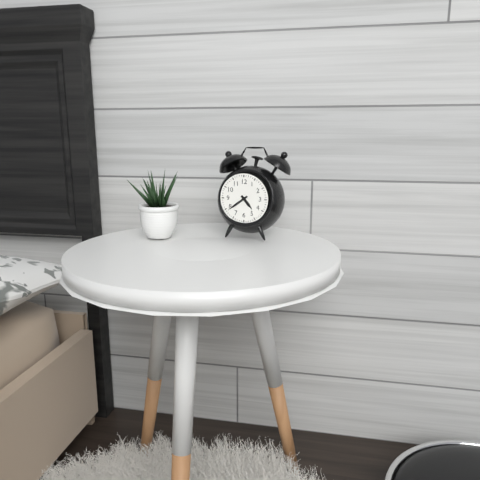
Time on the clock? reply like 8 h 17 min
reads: 4 h 39 min
